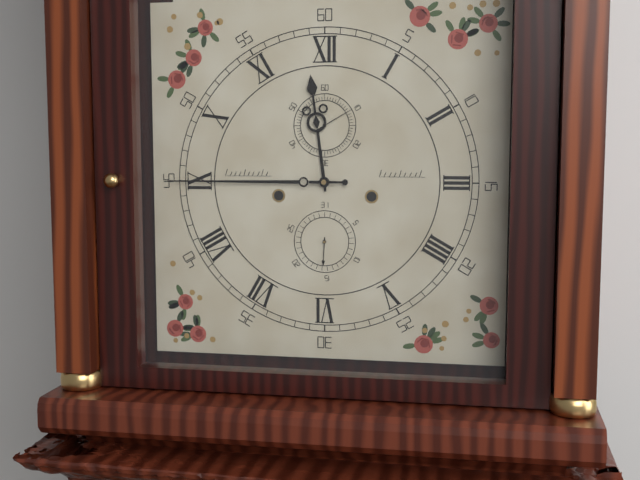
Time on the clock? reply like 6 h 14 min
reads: 11 h 45 min
